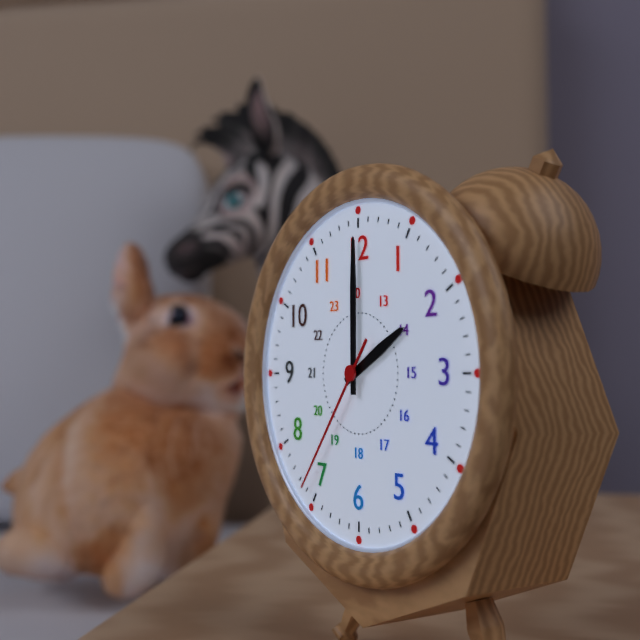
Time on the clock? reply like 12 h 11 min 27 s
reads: 2 h 00 min 36 s
